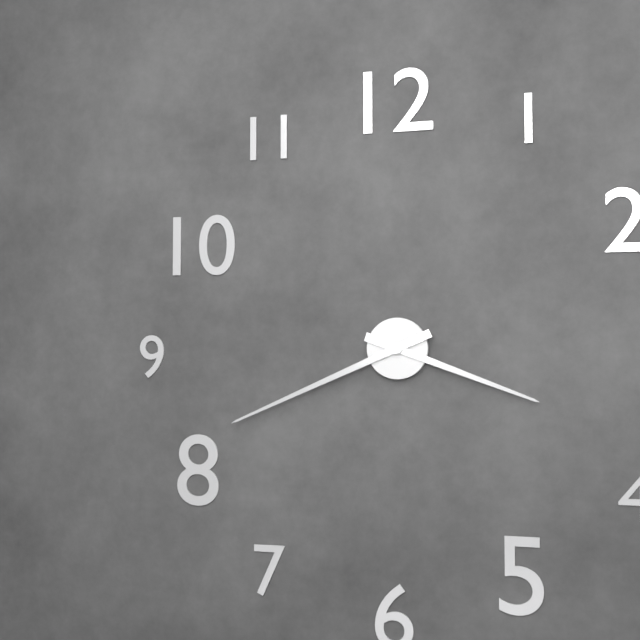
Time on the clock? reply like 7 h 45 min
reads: 3 h 41 min
